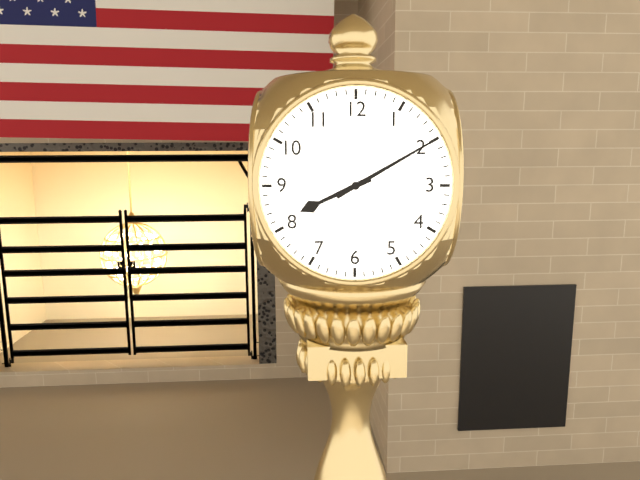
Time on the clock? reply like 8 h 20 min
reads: 8 h 10 min
